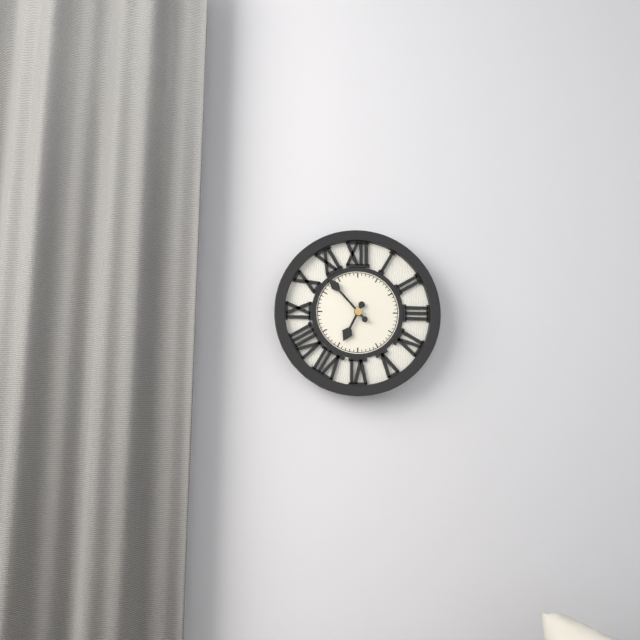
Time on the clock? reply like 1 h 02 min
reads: 6 h 53 min
